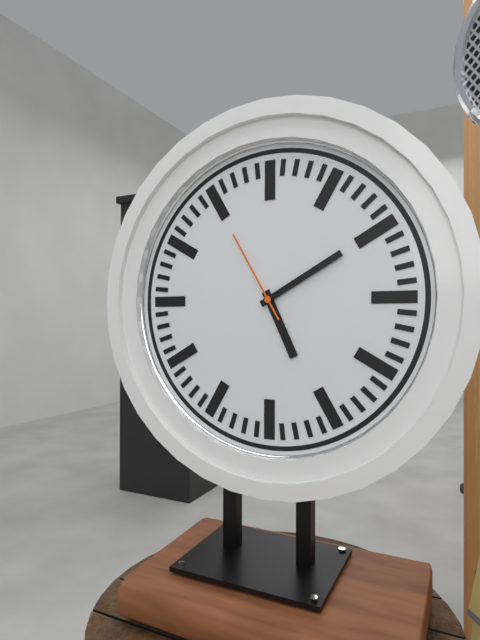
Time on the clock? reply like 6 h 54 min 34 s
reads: 5 h 10 min 55 s
